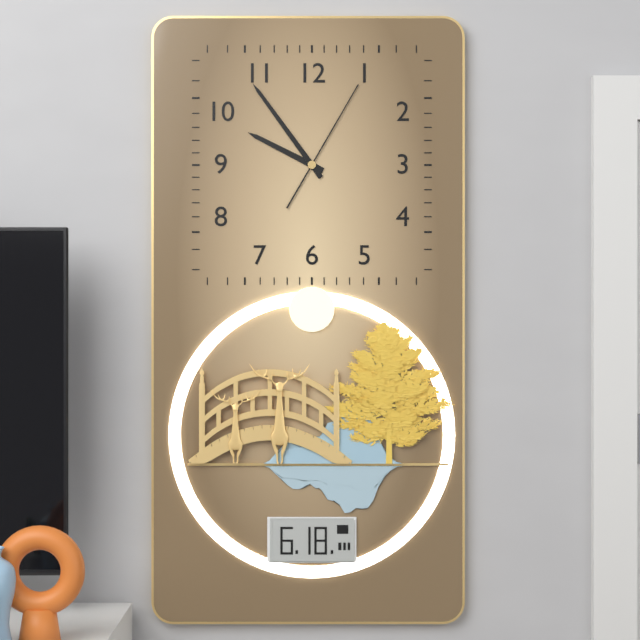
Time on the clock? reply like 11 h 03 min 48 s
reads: 9 h 54 min 05 s
